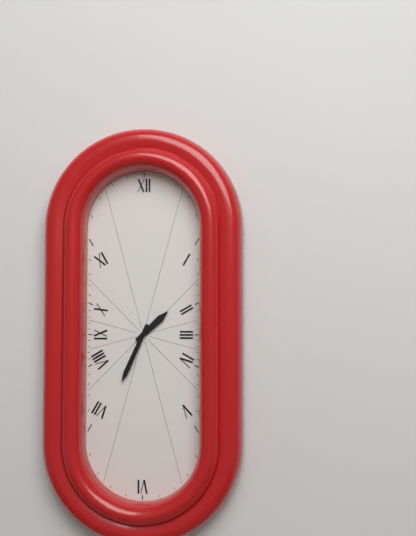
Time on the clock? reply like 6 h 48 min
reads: 1 h 34 min
